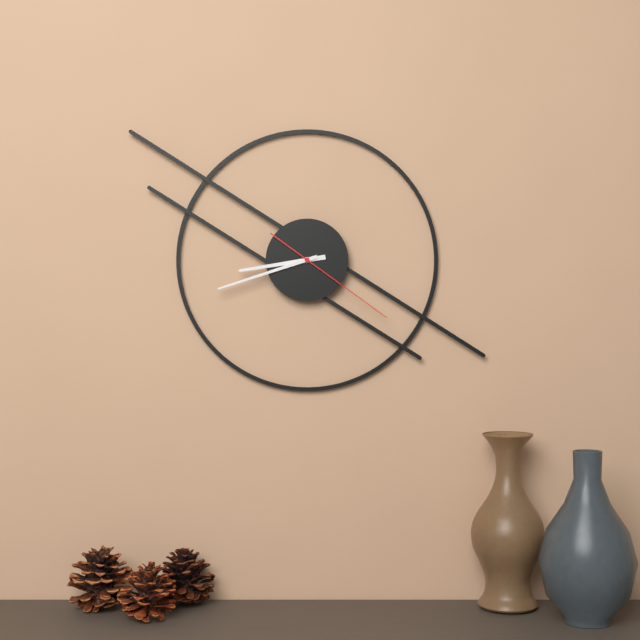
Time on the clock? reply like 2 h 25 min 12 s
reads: 8 h 42 min 21 s
